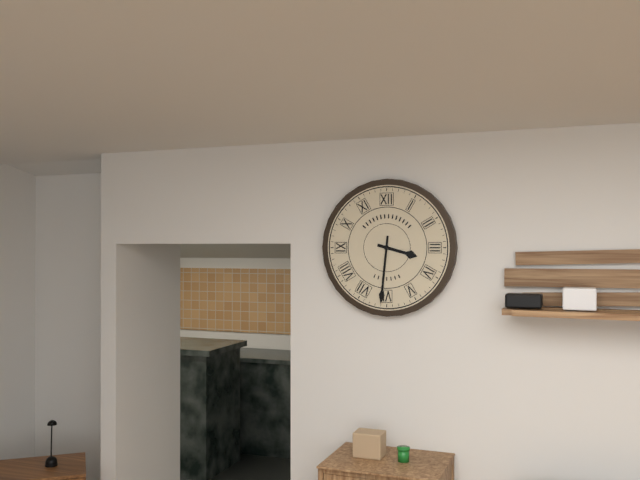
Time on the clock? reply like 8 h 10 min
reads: 3 h 31 min
